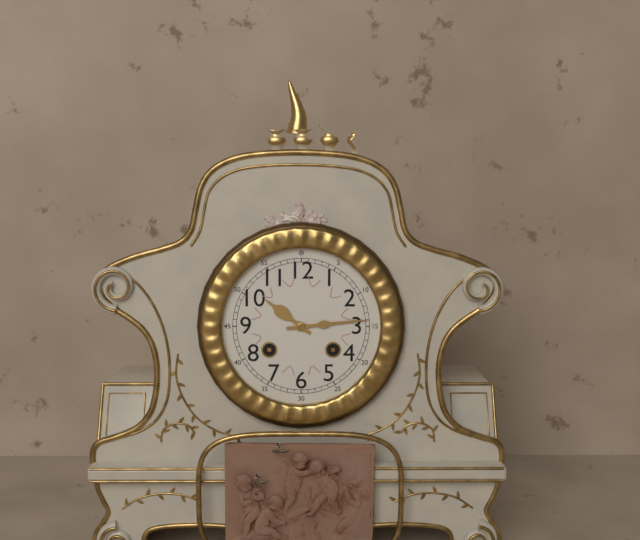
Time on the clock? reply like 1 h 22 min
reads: 10 h 14 min
